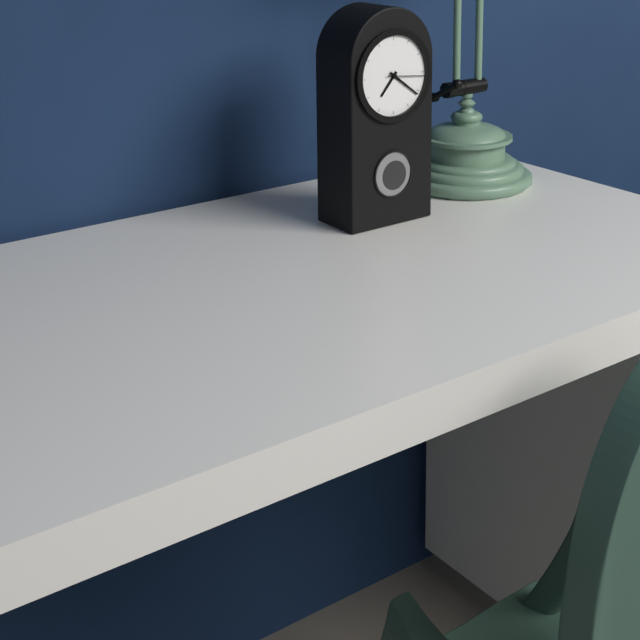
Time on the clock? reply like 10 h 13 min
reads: 7 h 21 min
